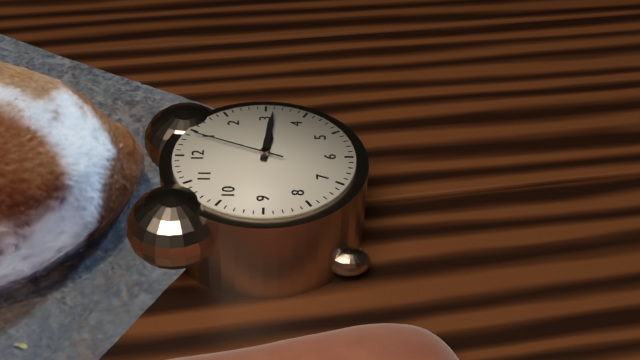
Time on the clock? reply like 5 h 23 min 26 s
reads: 3 h 16 min 04 s
